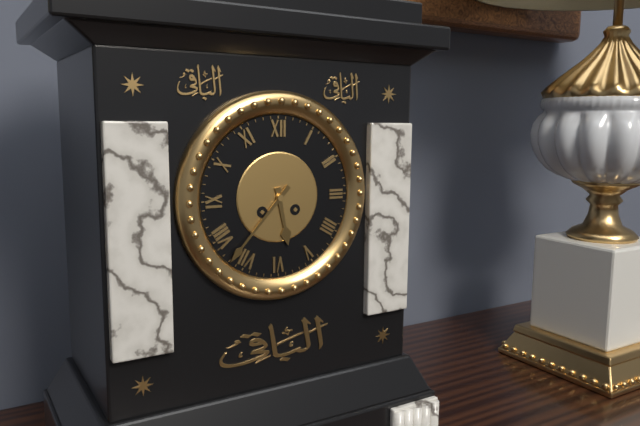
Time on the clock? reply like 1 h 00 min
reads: 5 h 37 min
